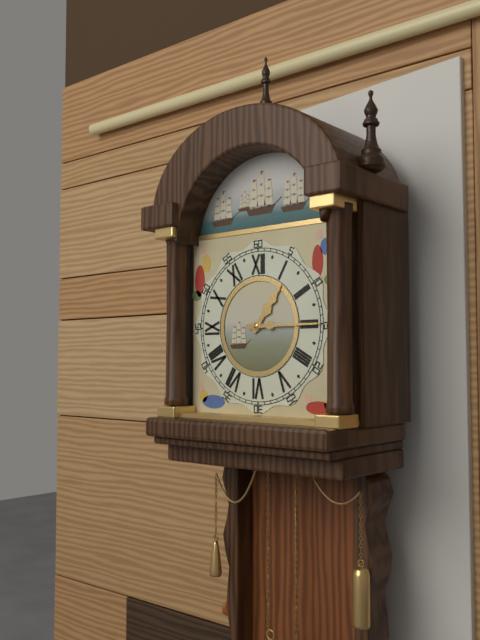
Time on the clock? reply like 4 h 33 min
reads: 1 h 15 min
